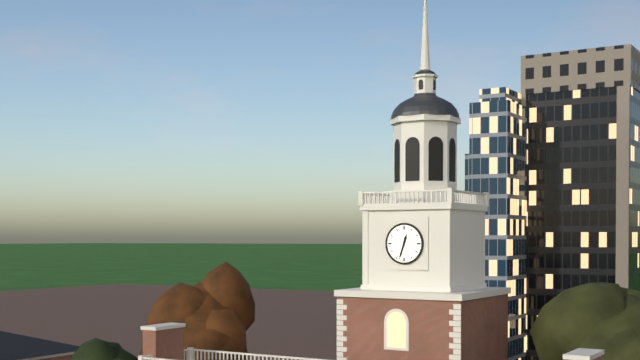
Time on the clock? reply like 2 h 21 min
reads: 12 h 33 min
